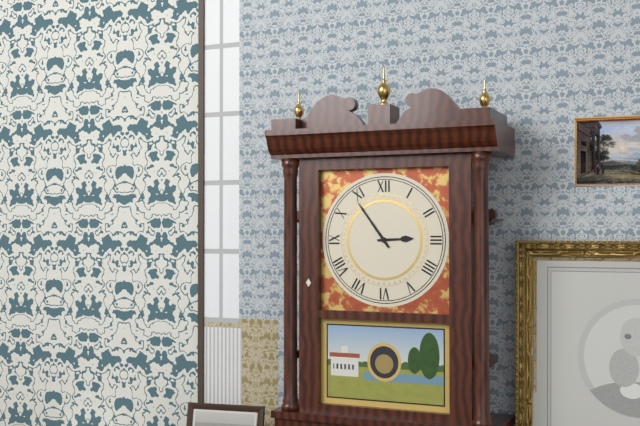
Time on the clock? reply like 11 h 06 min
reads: 2 h 54 min
